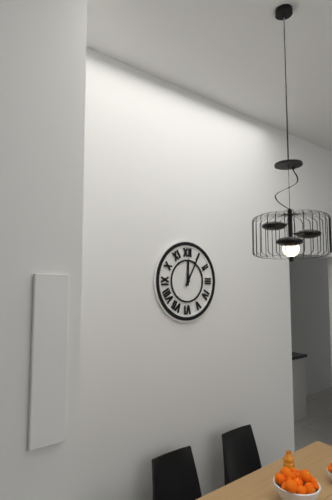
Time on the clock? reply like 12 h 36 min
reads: 12 h 05 min
